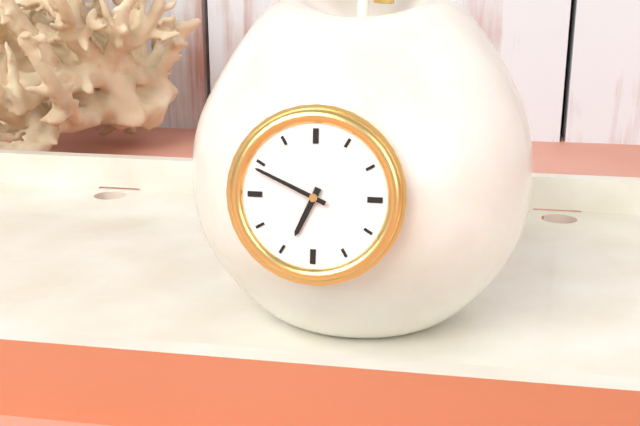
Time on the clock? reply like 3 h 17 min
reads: 6 h 49 min
